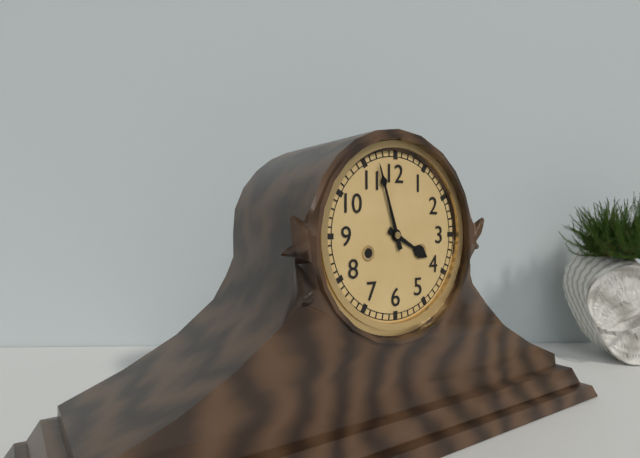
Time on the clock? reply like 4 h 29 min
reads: 3 h 57 min
